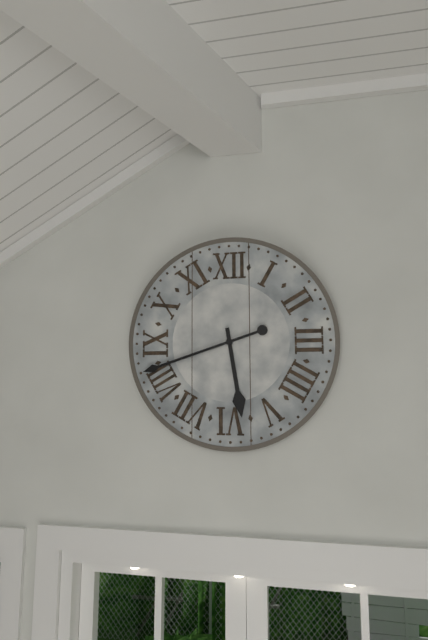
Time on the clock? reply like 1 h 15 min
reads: 5 h 42 min
